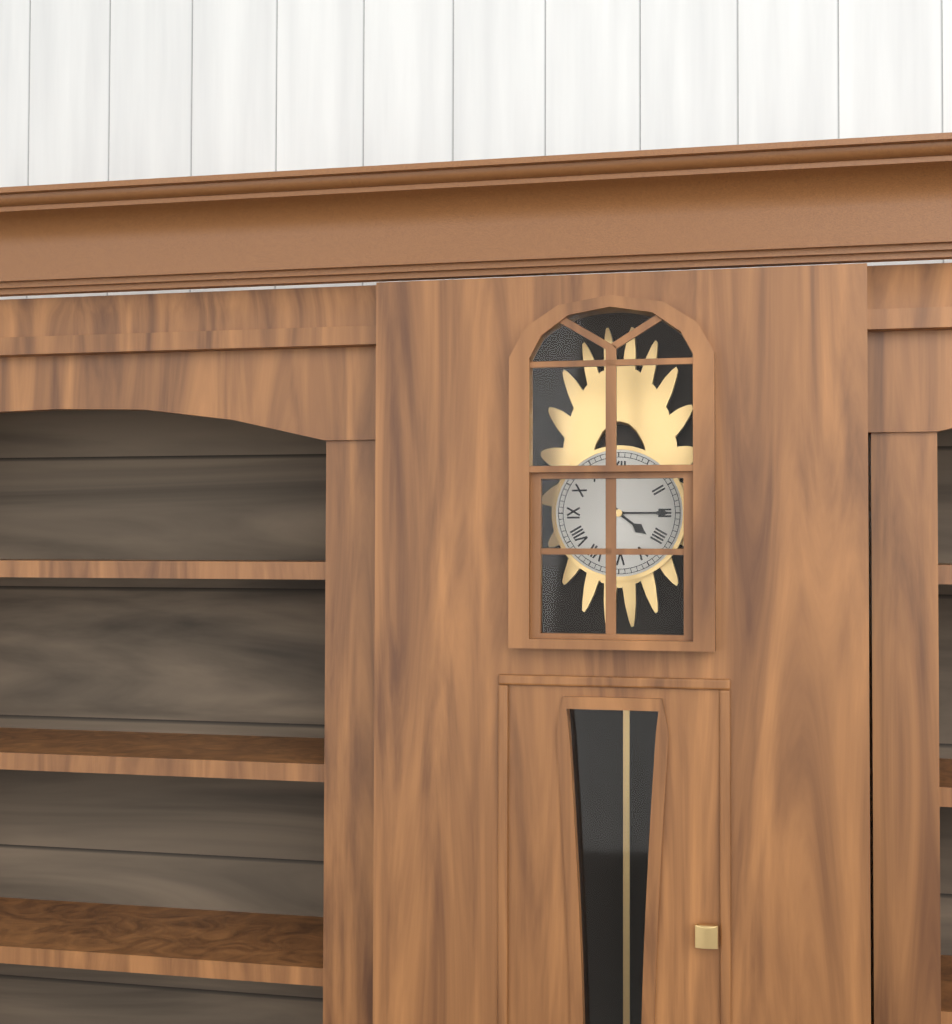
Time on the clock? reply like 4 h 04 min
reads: 4 h 15 min
